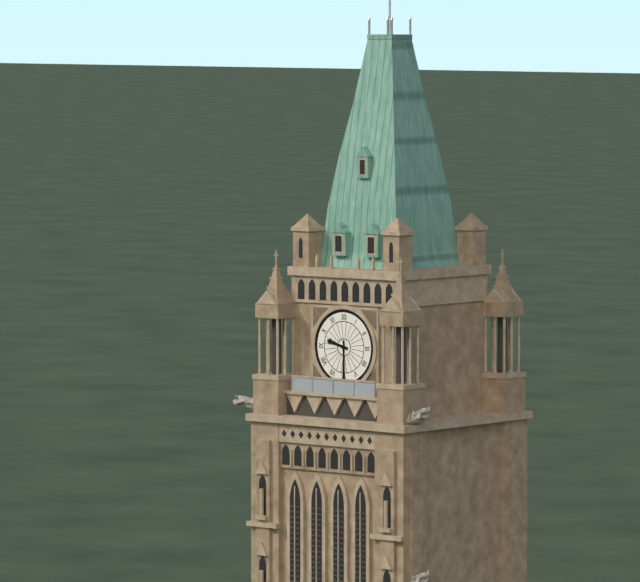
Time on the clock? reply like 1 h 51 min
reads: 9 h 30 min
